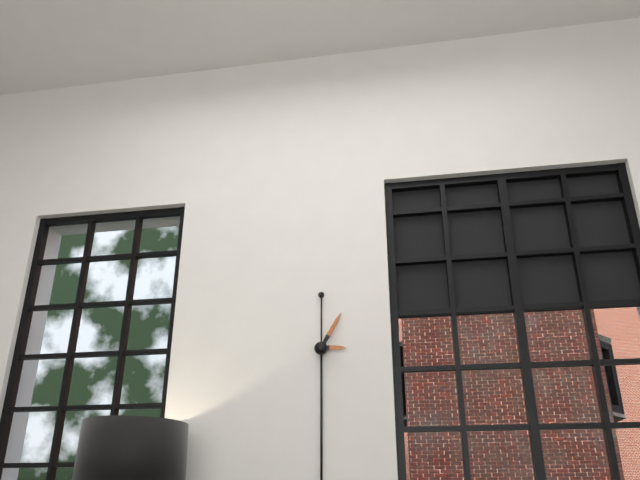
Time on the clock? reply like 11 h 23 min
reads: 3 h 05 min
